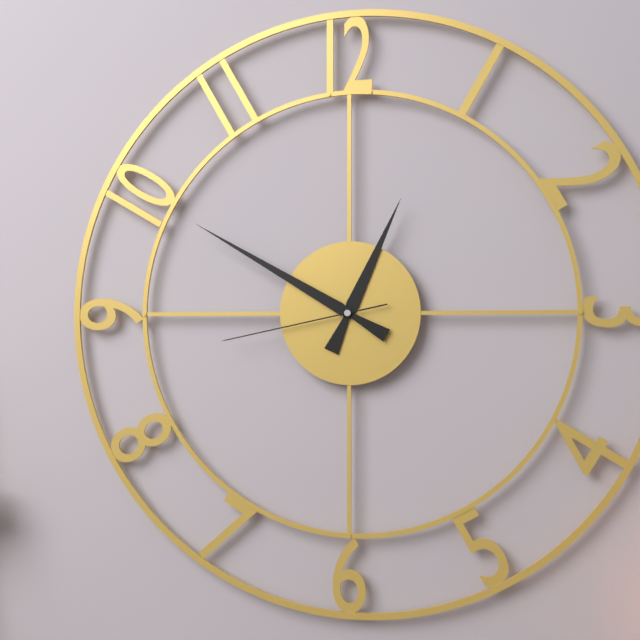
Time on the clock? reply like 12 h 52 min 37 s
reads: 12 h 50 min 43 s
